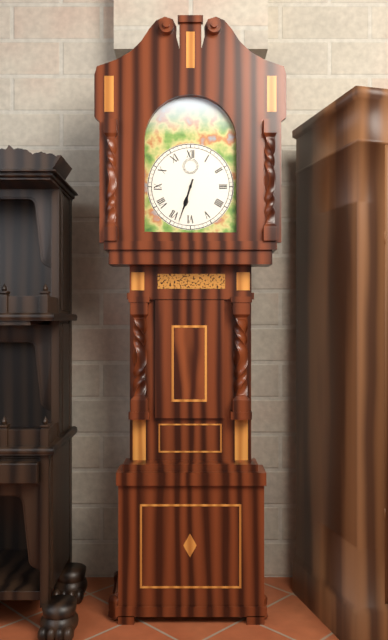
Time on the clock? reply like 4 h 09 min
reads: 6 h 33 min
